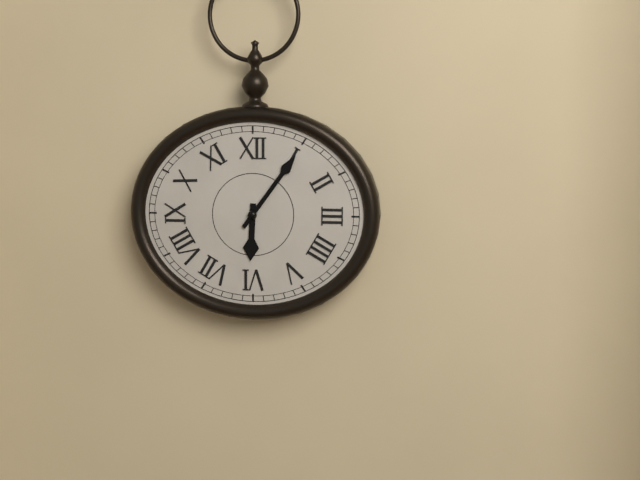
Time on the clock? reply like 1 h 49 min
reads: 6 h 06 min
